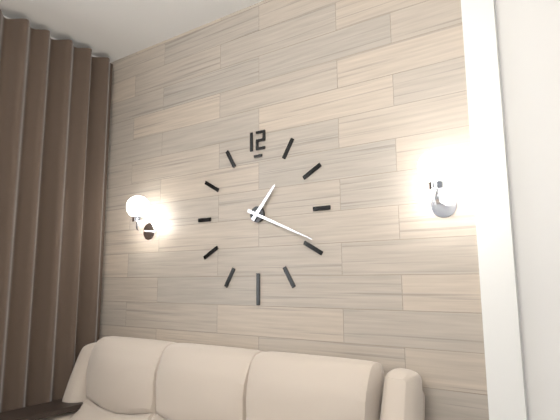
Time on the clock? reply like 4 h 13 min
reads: 1 h 19 min
